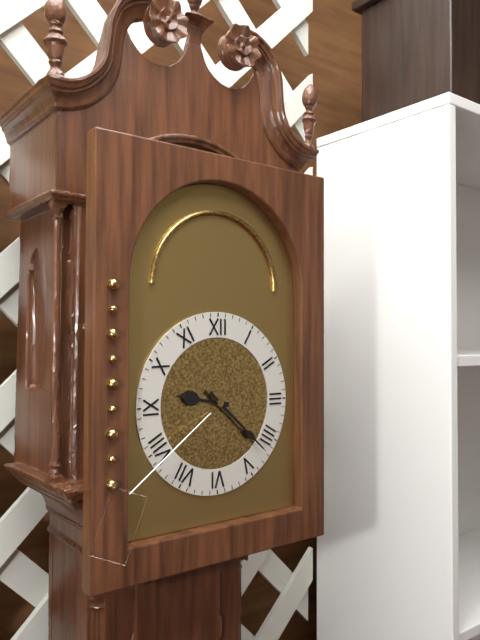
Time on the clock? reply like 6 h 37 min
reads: 9 h 22 min
